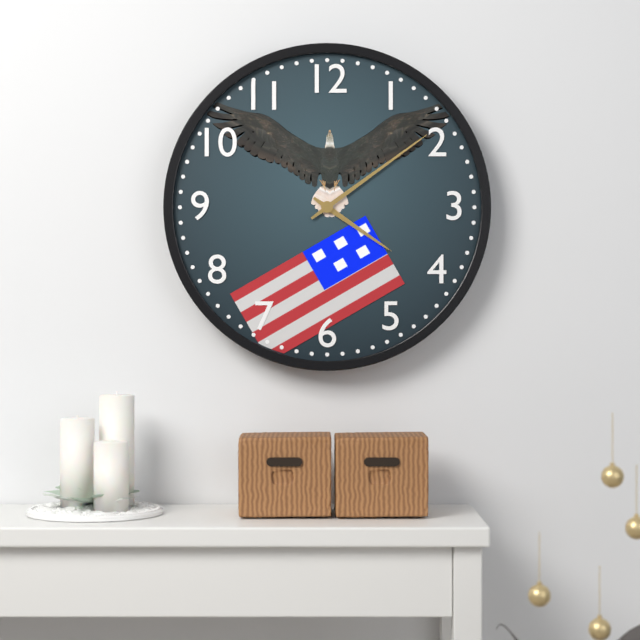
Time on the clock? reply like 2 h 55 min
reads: 4 h 09 min
